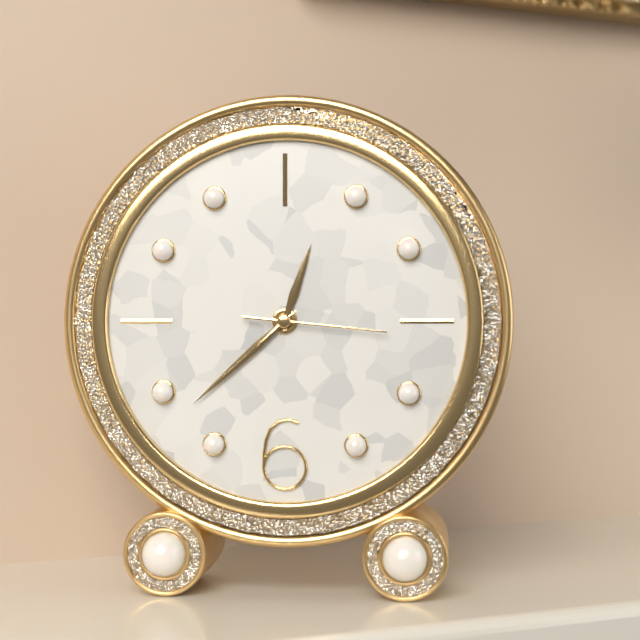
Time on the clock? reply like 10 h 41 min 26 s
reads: 12 h 38 min 16 s
